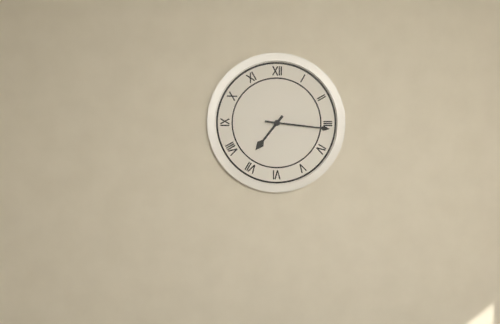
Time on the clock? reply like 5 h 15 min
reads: 7 h 16 min
